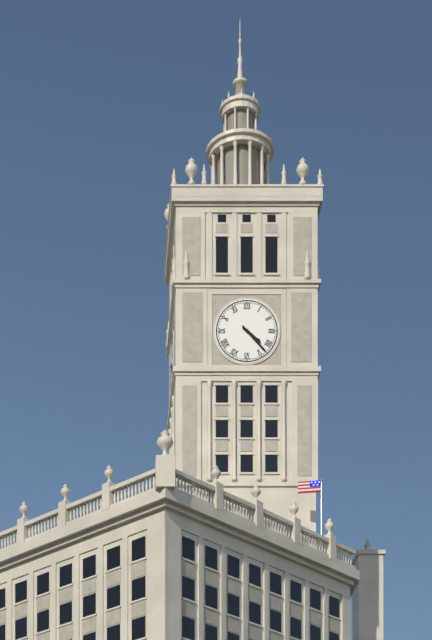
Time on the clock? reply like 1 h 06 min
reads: 4 h 23 min
